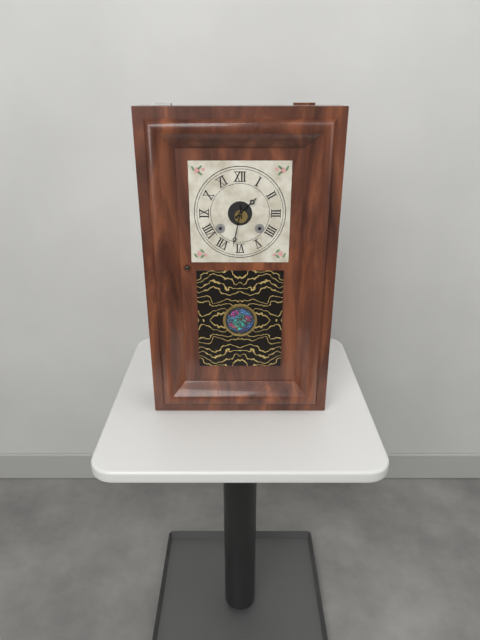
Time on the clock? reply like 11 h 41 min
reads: 1 h 32 min
